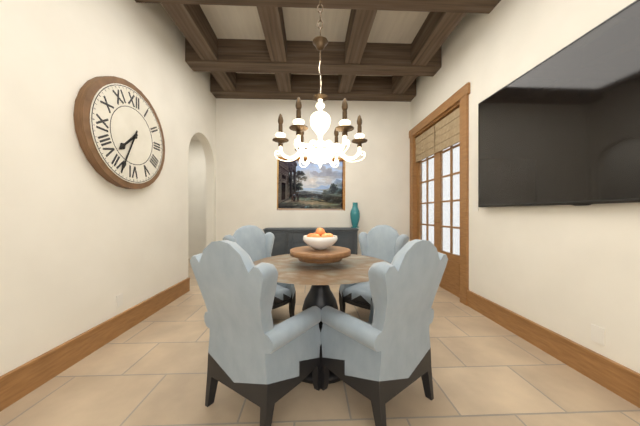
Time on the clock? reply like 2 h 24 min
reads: 7 h 34 min
